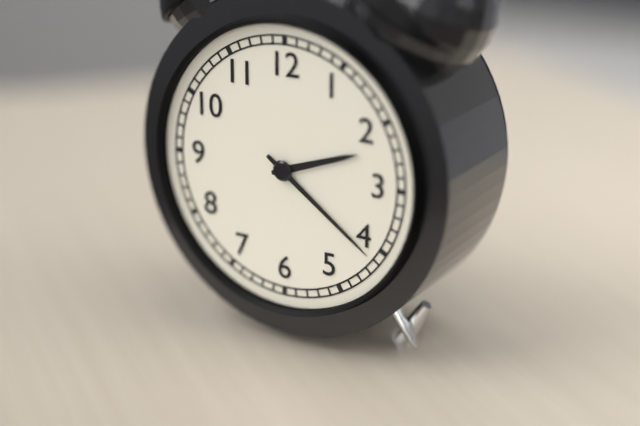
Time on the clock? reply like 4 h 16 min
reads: 2 h 21 min
